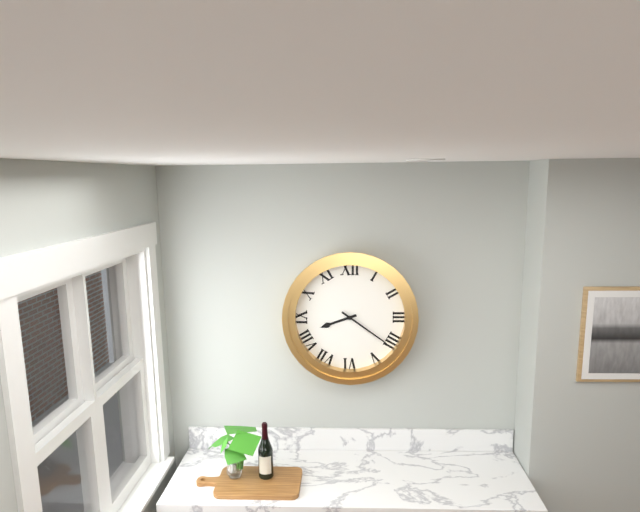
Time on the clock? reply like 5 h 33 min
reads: 8 h 21 min
